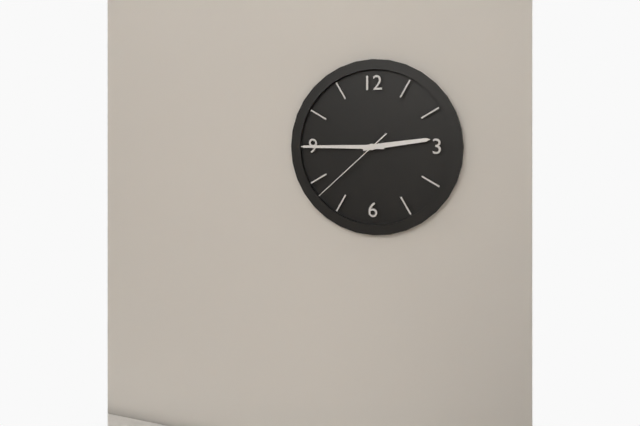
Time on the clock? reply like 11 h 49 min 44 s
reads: 2 h 45 min 38 s
